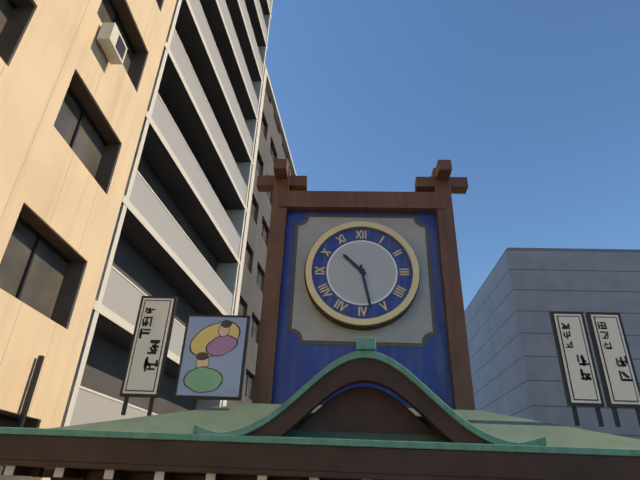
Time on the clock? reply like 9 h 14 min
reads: 10 h 28 min
